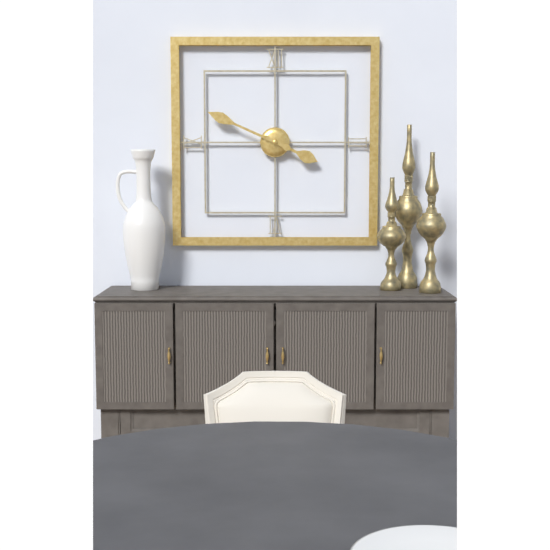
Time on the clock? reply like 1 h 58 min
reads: 3 h 49 min
